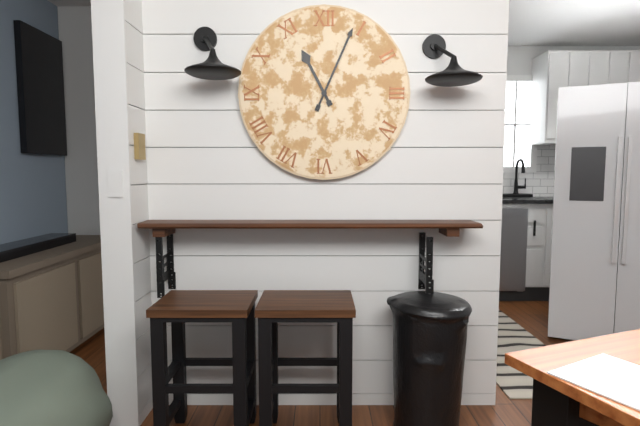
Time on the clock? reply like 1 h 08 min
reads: 11 h 04 min
